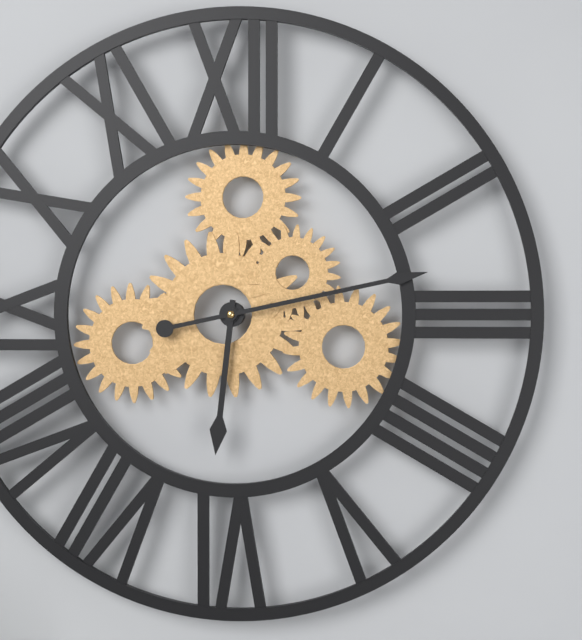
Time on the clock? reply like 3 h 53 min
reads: 6 h 13 min
